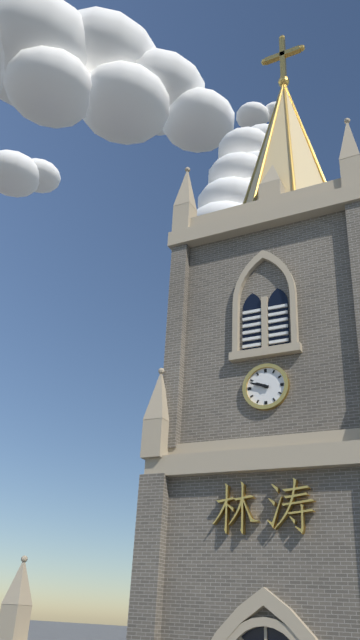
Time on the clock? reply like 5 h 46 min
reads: 9 h 48 min
